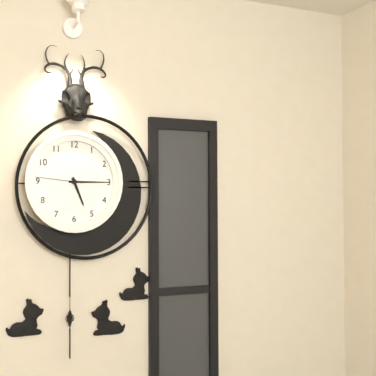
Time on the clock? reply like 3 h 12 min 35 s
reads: 5 h 15 min 46 s
